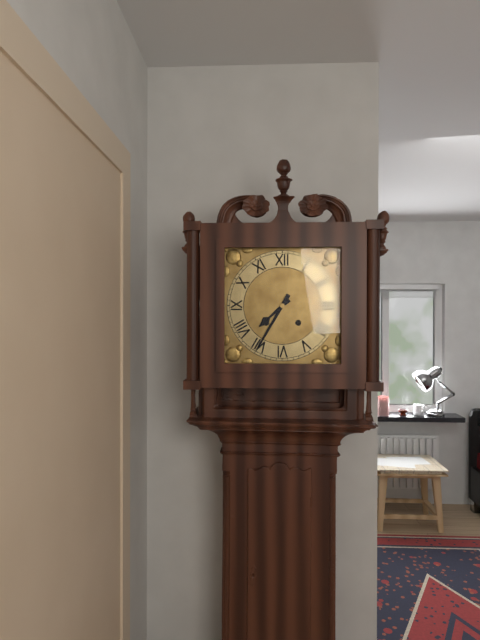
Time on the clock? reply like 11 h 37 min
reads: 7 h 35 min
